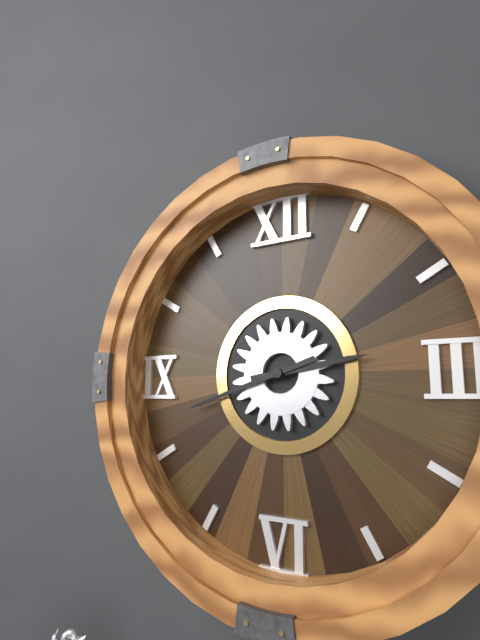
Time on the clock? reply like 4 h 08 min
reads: 2 h 42 min
